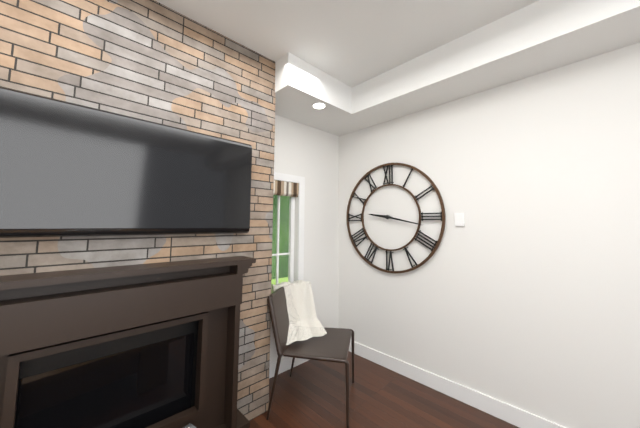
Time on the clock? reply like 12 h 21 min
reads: 9 h 17 min
